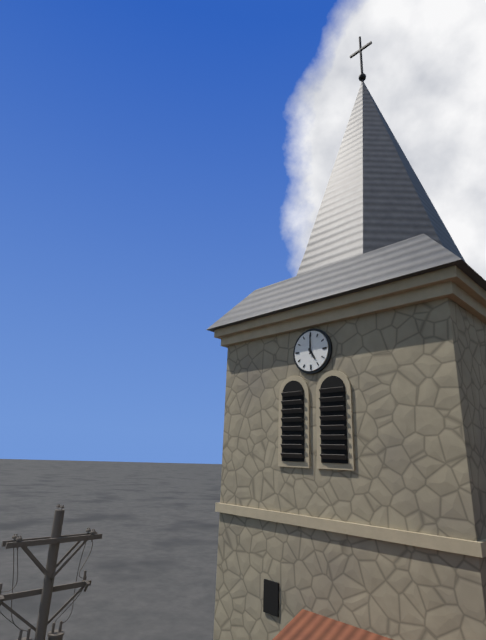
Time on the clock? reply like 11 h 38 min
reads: 5 h 00 min
